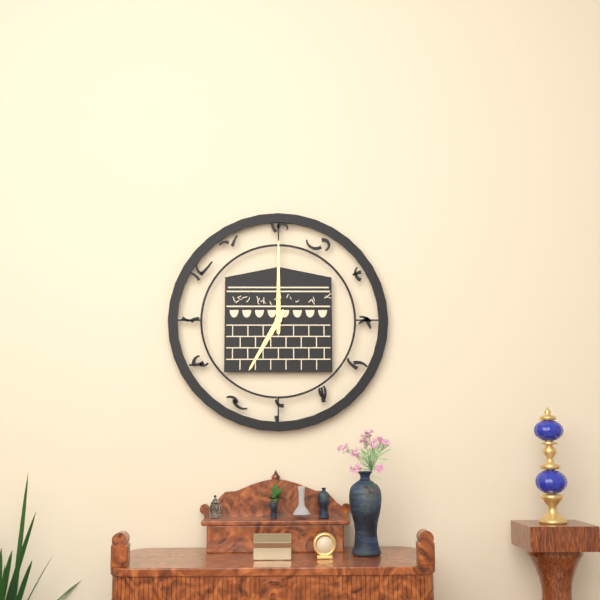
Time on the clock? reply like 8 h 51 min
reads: 7 h 00 min
